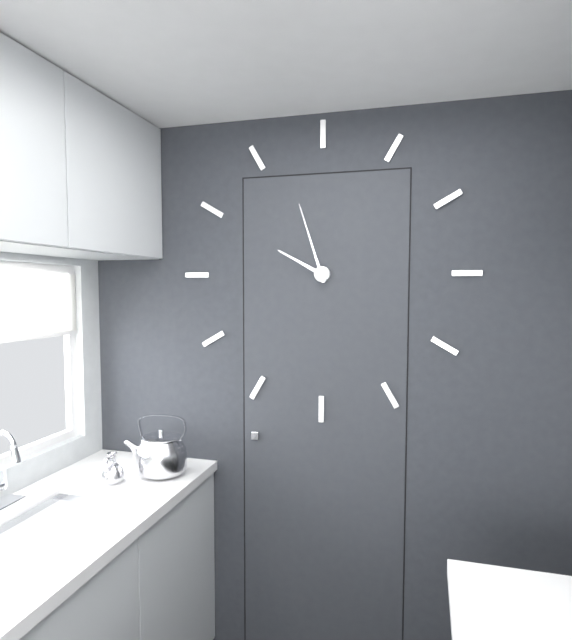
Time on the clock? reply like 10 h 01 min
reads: 9 h 57 min
